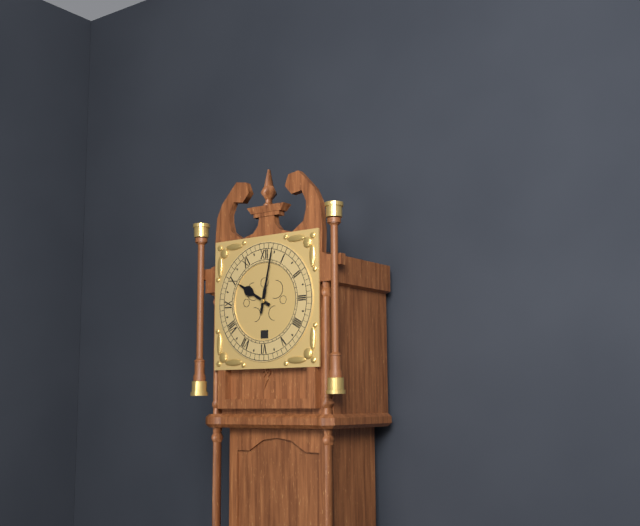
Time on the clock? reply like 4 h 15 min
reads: 10 h 02 min
